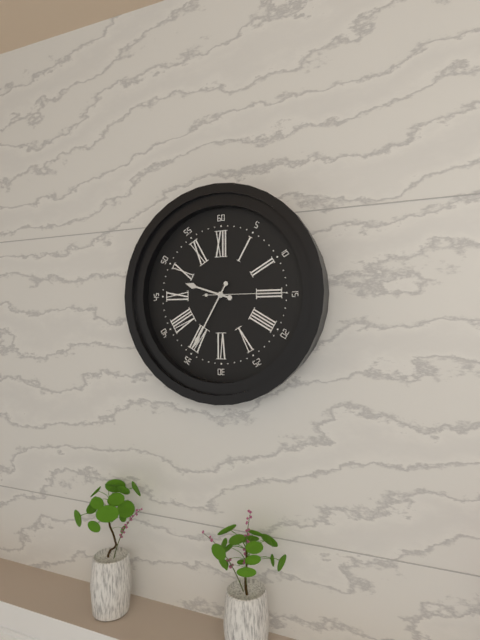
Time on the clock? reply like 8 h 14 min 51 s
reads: 9 h 35 min 15 s
